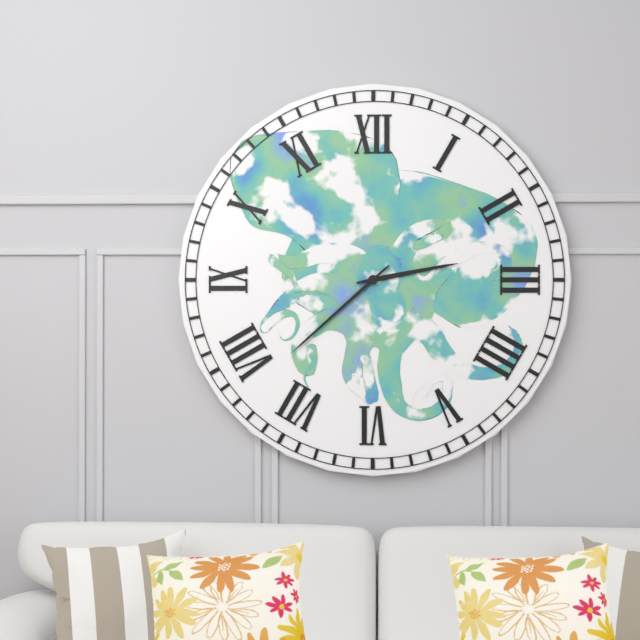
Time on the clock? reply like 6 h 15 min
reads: 2 h 38 min
